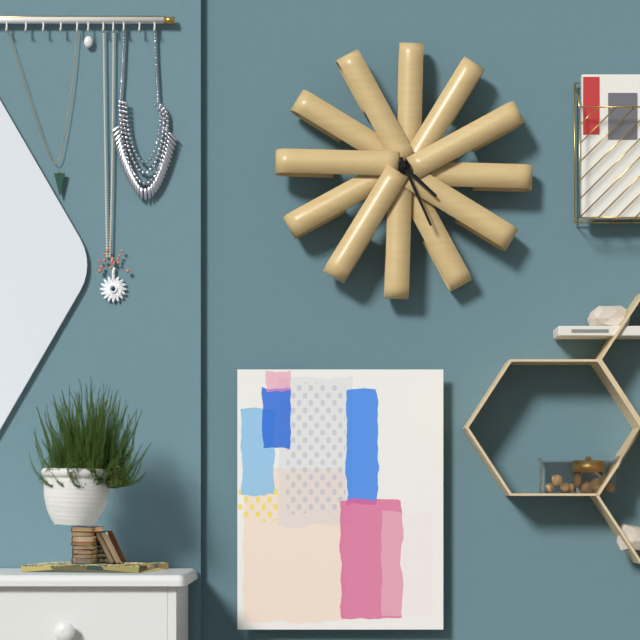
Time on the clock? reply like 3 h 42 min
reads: 4 h 26 min
